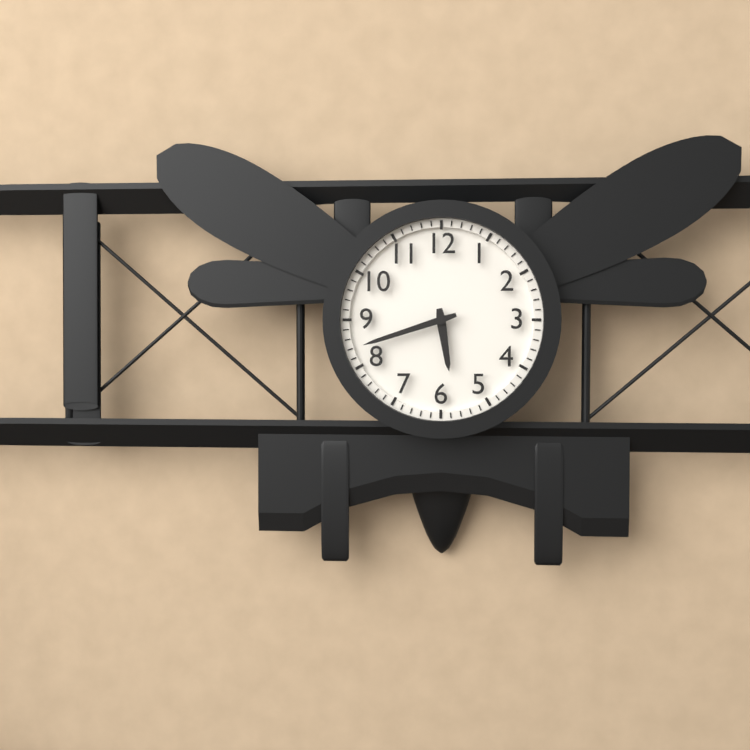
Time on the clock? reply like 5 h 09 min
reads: 5 h 42 min
